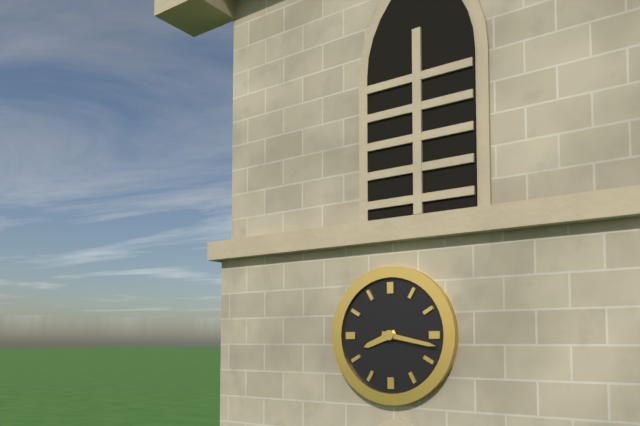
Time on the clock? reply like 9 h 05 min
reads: 8 h 17 min
